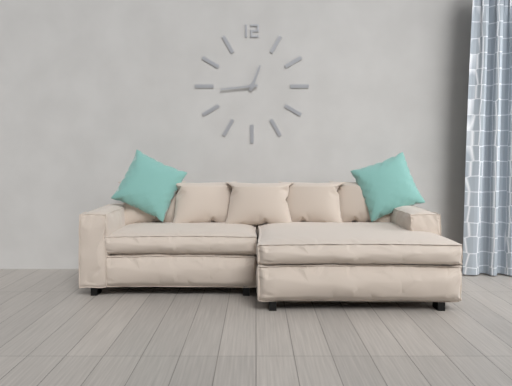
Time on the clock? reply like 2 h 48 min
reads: 12 h 44 min
